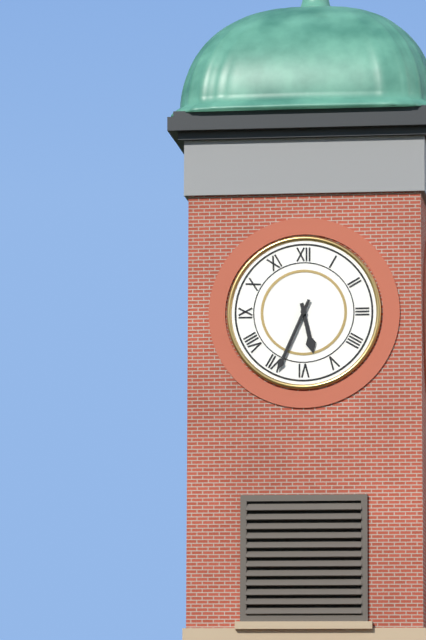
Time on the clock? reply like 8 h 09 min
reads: 5 h 34 min
